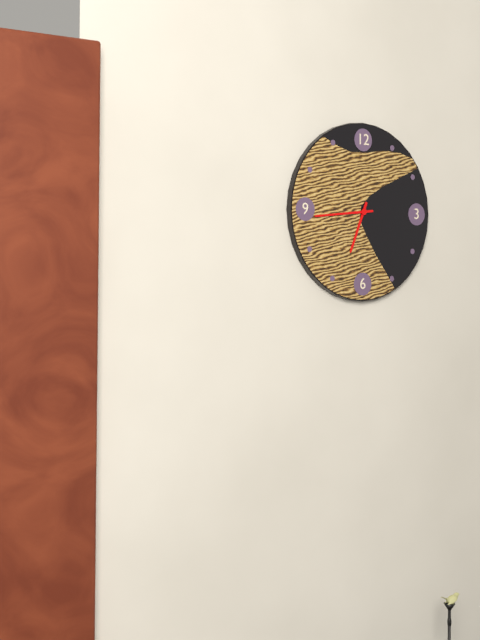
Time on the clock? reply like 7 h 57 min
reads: 6 h 44 min
